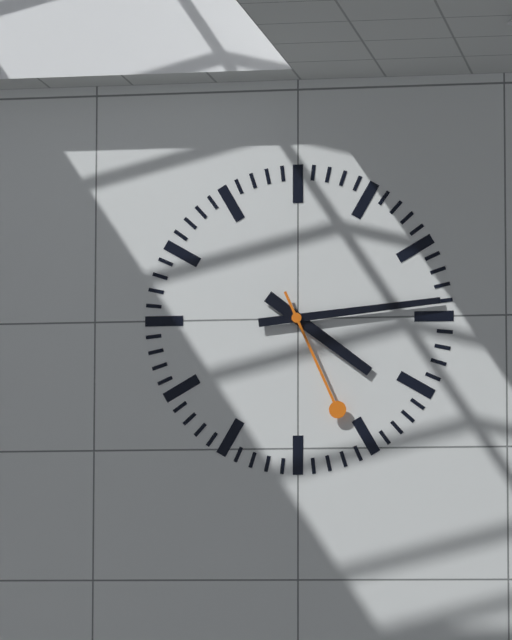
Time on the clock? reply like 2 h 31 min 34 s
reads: 4 h 14 min 26 s
